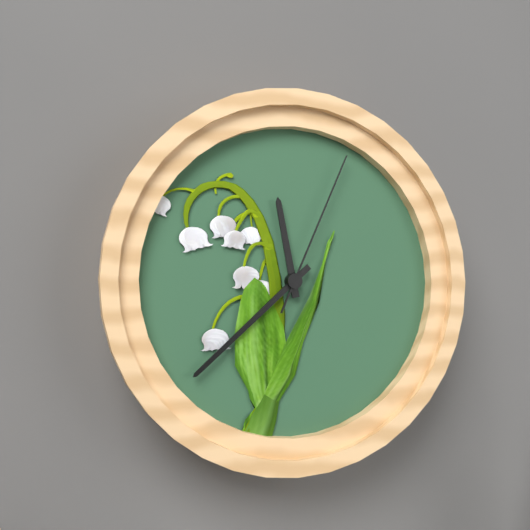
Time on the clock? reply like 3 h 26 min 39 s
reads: 11 h 38 min 04 s
